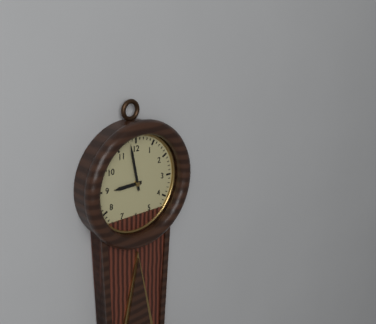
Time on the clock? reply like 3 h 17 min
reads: 8 h 58 min
